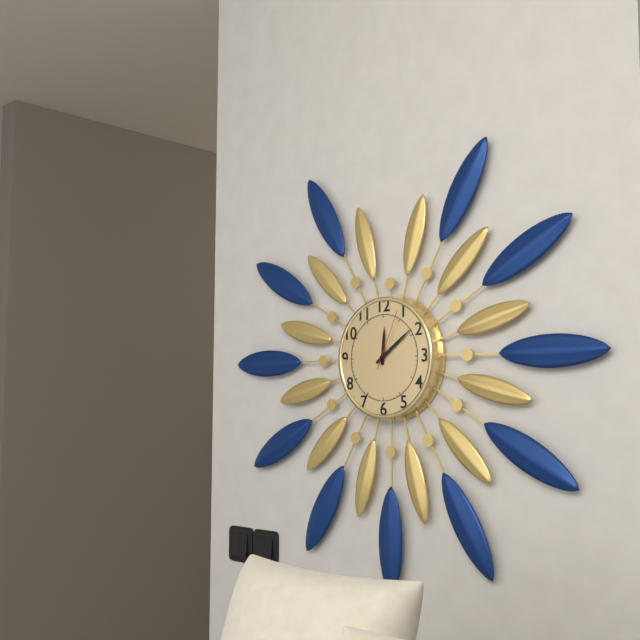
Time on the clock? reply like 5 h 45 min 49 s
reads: 12 h 09 min 04 s
